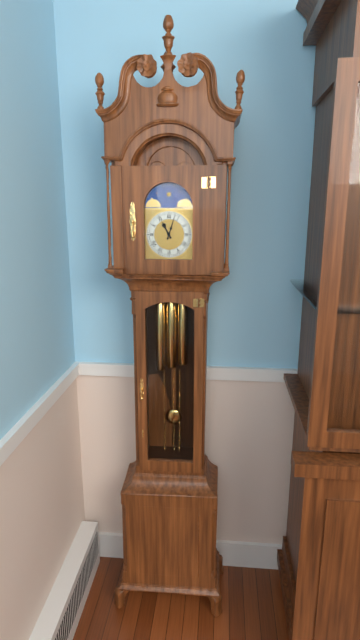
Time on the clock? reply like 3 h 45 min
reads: 11 h 03 min
